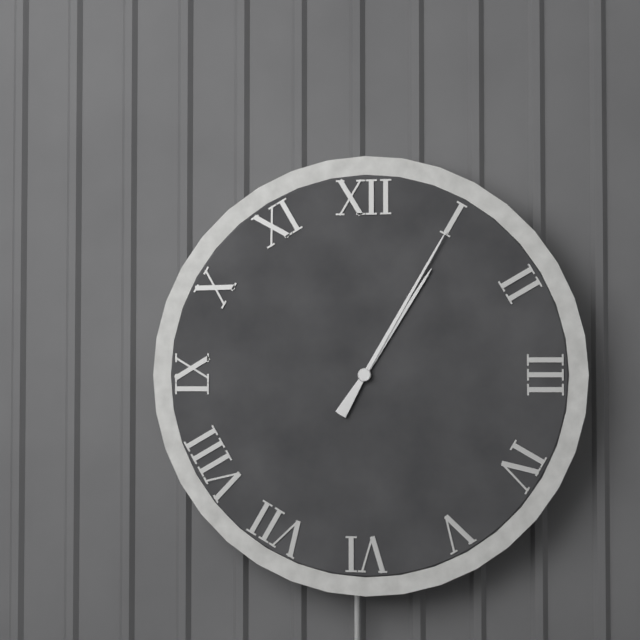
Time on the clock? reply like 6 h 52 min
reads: 1 h 05 min
